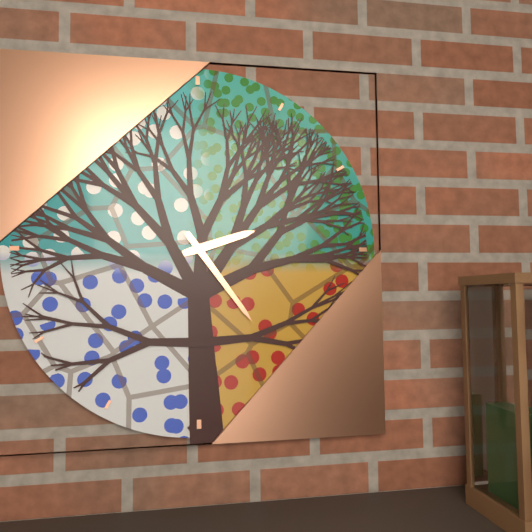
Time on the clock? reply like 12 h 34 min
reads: 2 h 24 min
